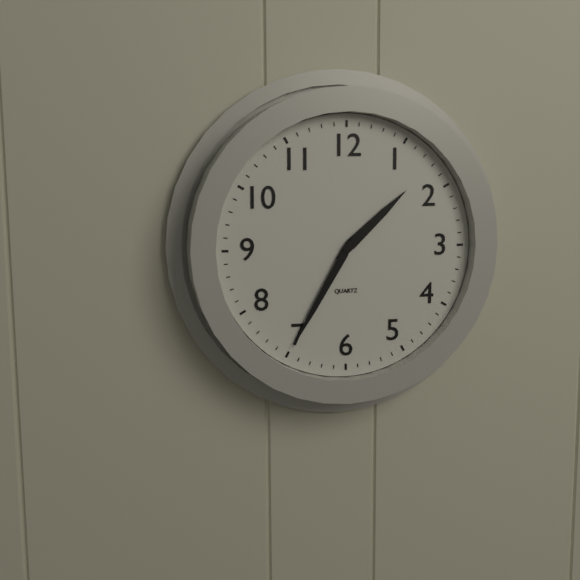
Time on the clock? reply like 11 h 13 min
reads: 1 h 35 min
